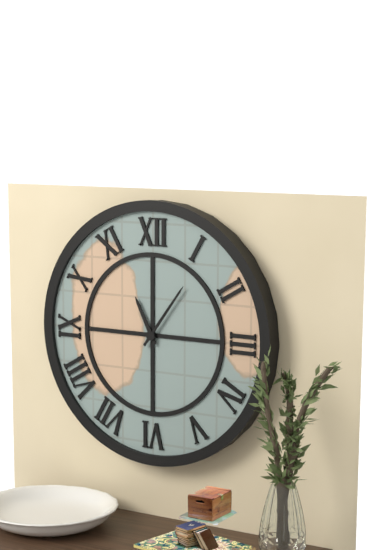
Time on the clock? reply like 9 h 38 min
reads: 11 h 06 min
